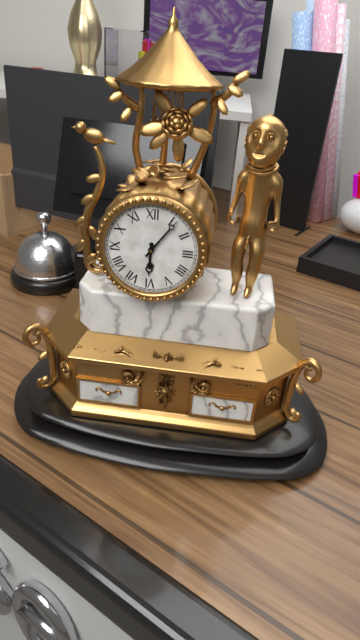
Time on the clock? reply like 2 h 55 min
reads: 6 h 06 min
